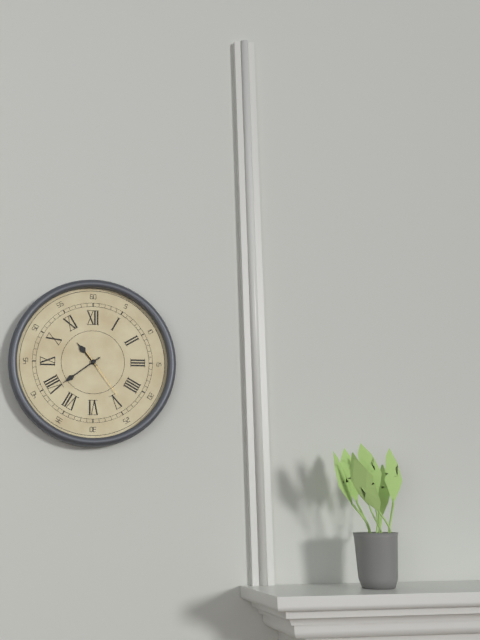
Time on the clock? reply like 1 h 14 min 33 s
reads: 10 h 39 min 24 s
